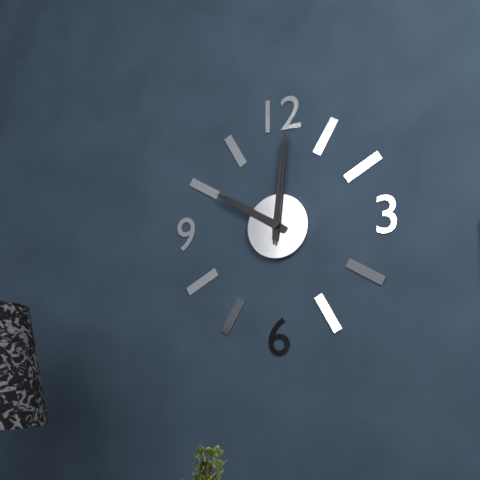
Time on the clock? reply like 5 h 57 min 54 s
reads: 10 h 01 min 01 s
